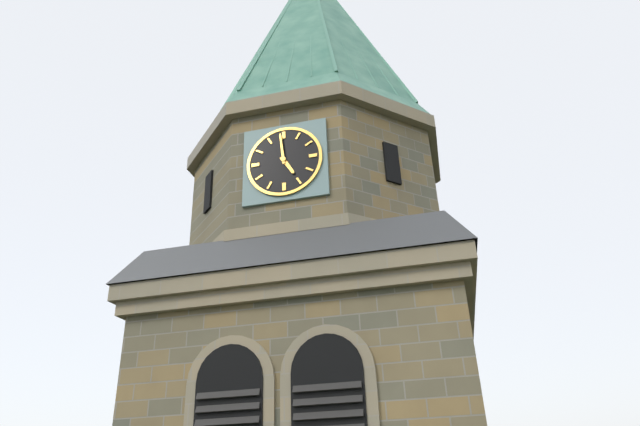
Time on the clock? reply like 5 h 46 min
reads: 4 h 59 min
